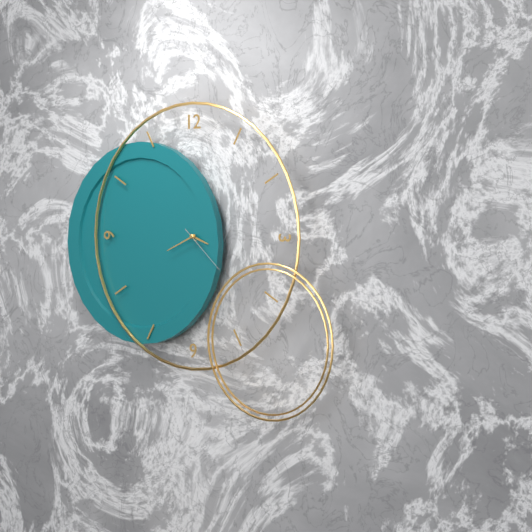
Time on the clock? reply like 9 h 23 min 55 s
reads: 3 h 41 min 22 s
